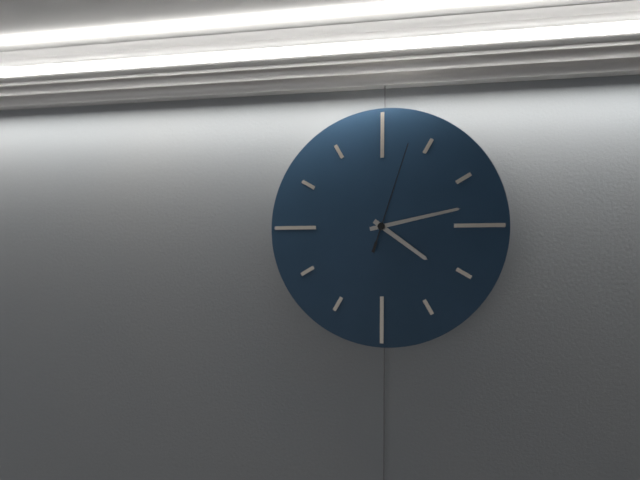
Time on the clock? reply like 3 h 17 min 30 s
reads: 4 h 13 min 03 s
